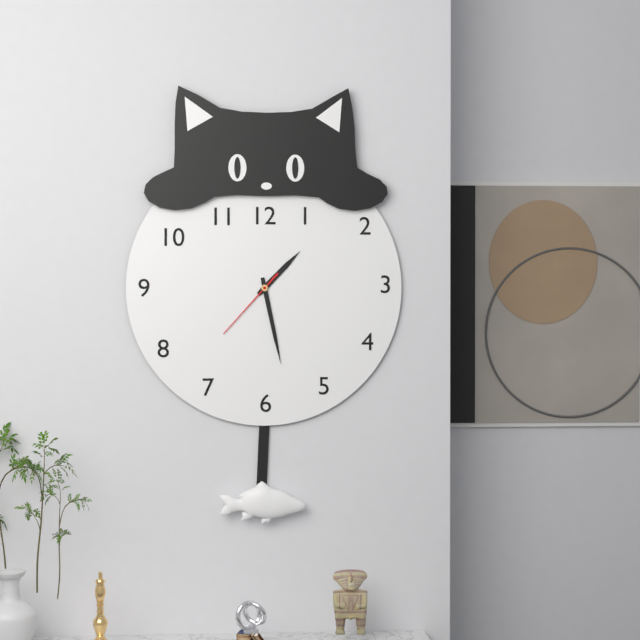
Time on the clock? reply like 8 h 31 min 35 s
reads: 1 h 28 min 37 s
